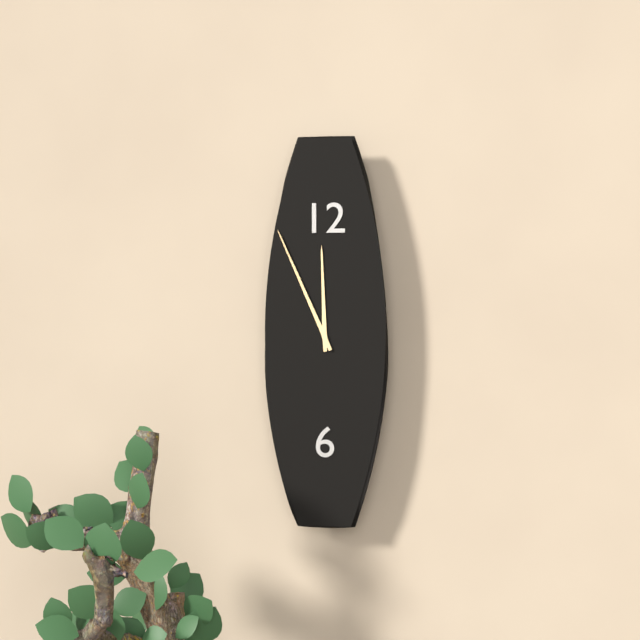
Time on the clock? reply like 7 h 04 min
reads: 11 h 56 min
